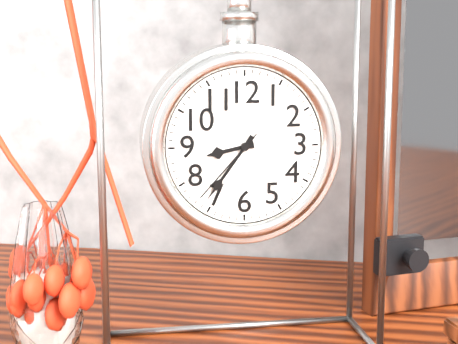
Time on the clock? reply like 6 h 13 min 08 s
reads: 8 h 36 min 37 s
